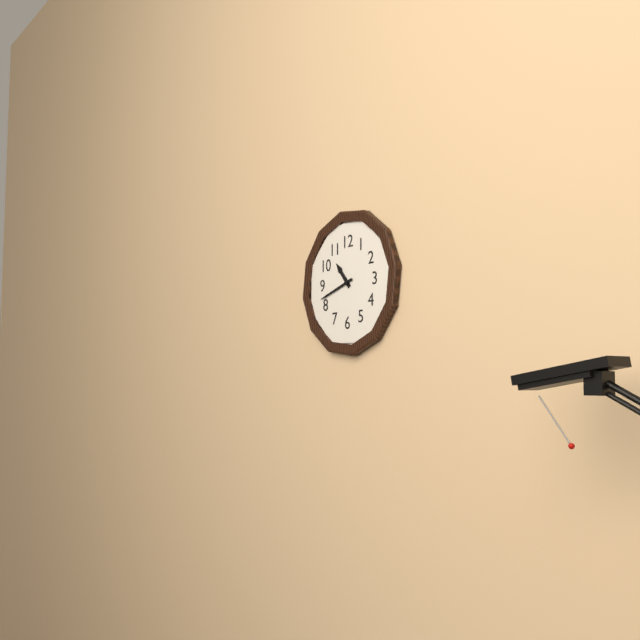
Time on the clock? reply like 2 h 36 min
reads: 10 h 42 min
